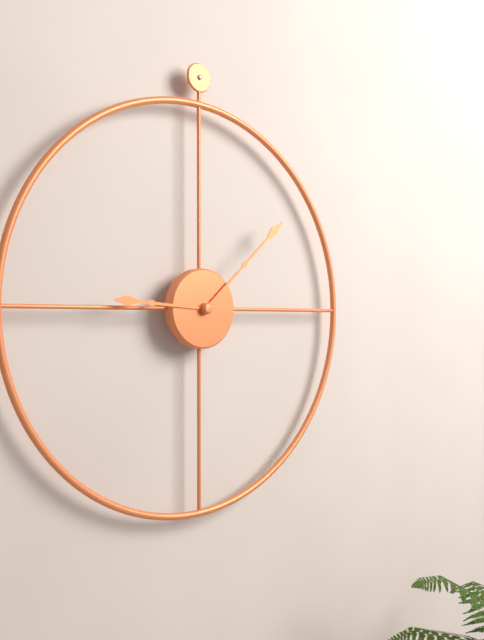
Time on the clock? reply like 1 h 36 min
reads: 9 h 08 min
